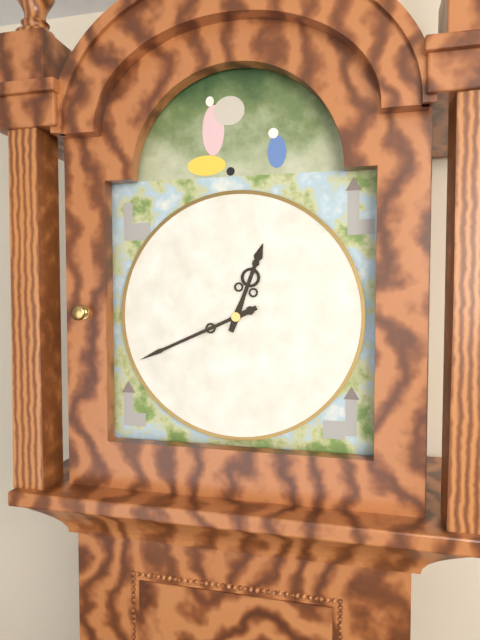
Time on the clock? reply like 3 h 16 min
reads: 12 h 41 min
